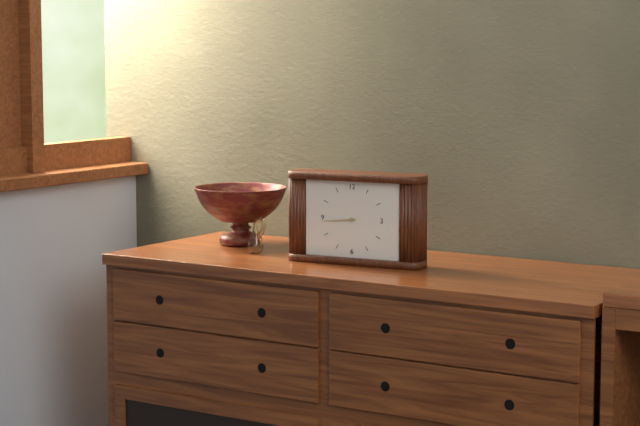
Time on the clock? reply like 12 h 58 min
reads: 8 h 44 min
